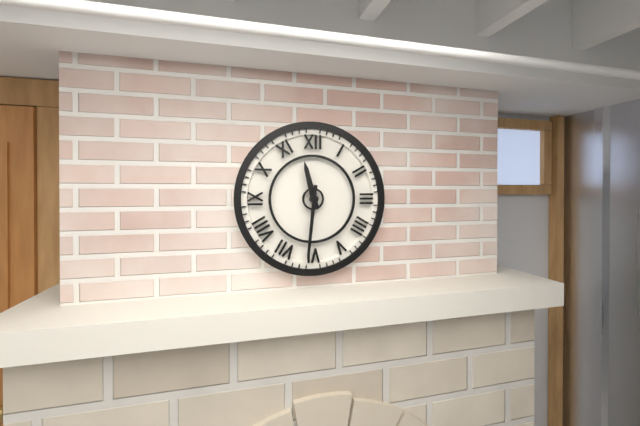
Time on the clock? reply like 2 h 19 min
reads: 11 h 31 min
